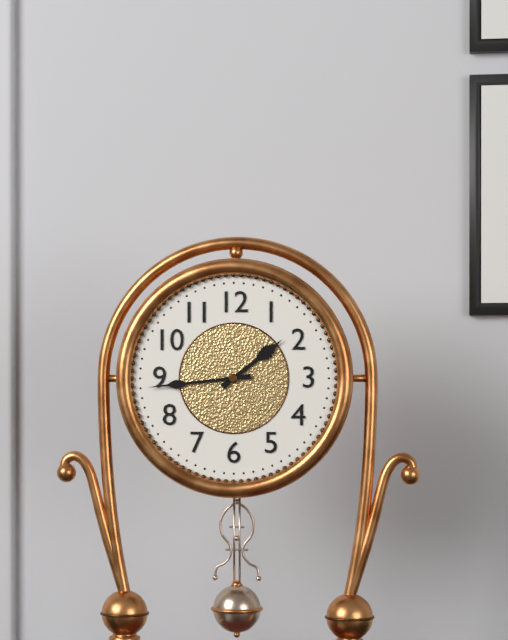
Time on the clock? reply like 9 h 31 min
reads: 1 h 44 min
